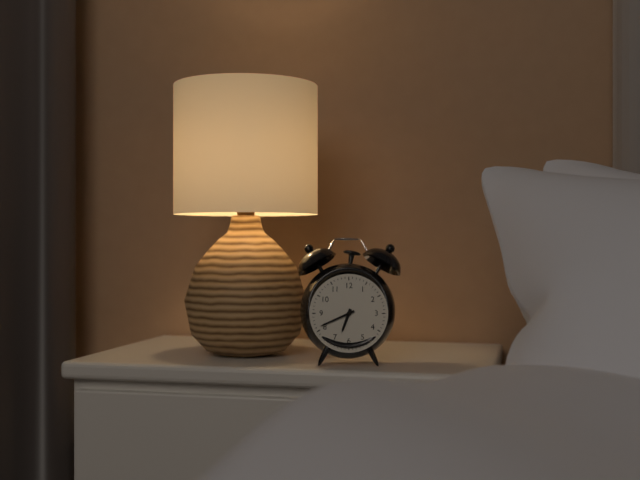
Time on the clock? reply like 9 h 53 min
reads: 6 h 41 min
